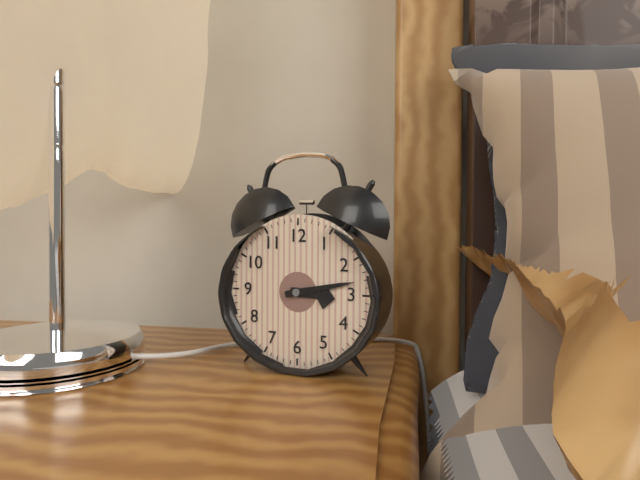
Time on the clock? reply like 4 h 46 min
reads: 3 h 13 min
